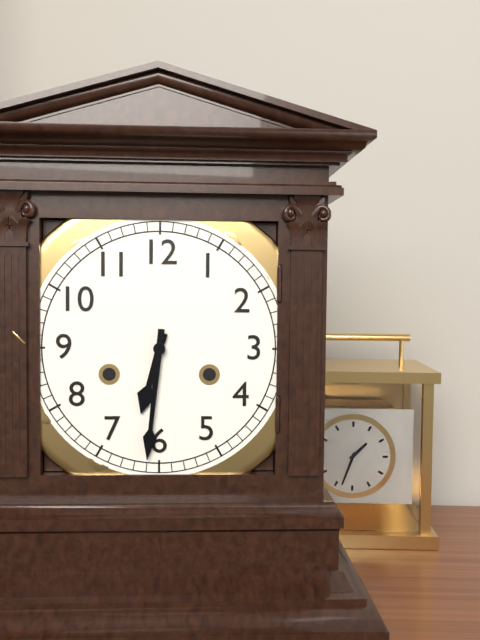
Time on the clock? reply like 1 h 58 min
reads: 6 h 31 min
